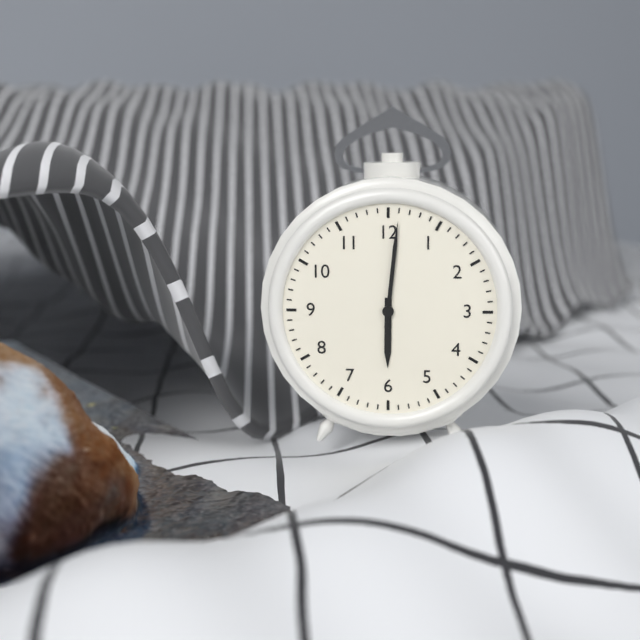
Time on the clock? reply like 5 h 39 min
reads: 6 h 01 min
